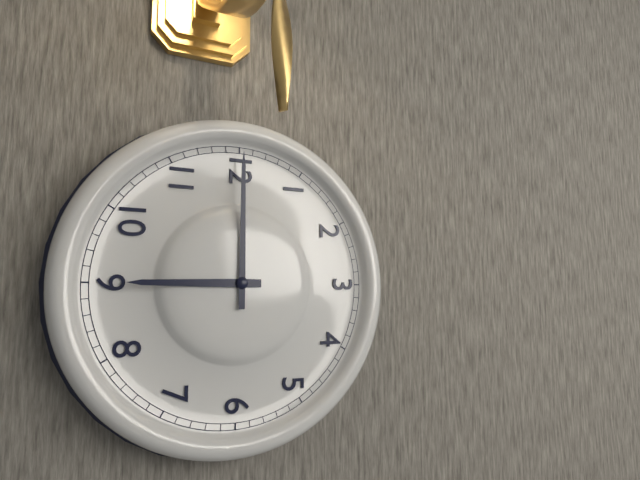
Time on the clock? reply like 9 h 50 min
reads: 9 h 00 min
